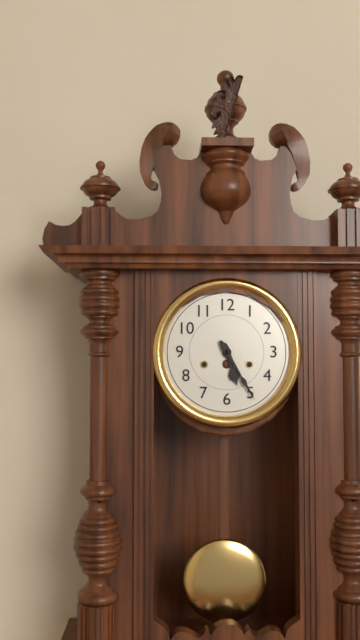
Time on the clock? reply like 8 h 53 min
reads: 5 h 25 min
